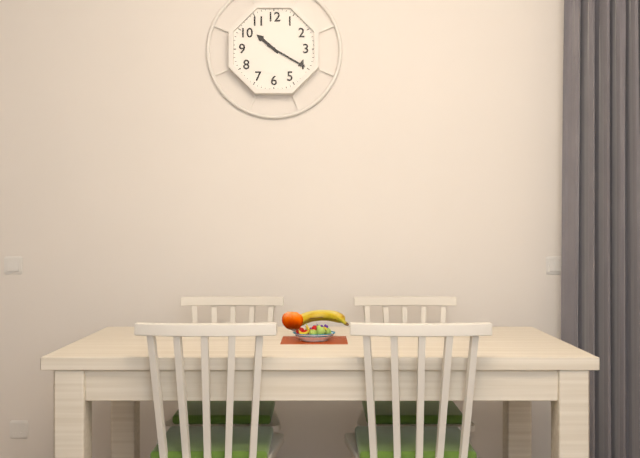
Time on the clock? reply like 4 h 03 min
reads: 10 h 20 min
